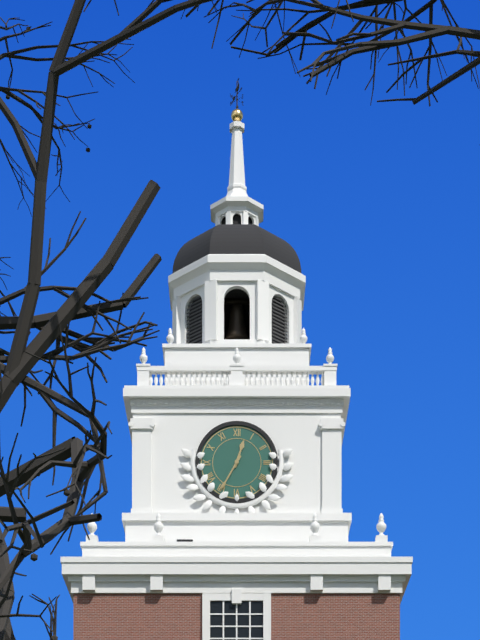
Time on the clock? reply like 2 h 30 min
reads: 12 h 35 min
